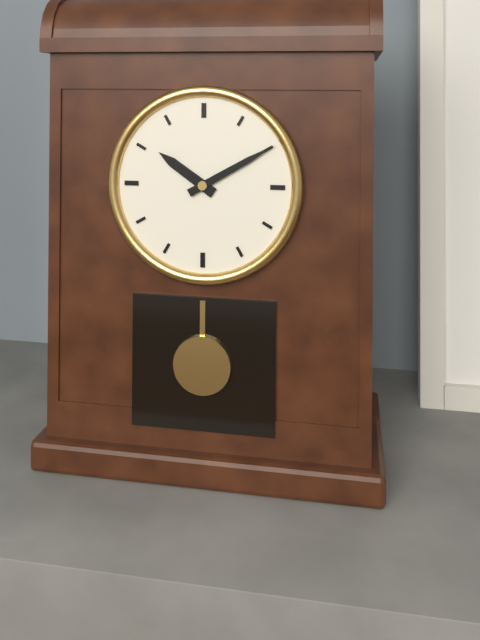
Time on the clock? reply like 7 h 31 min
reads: 10 h 10 min
